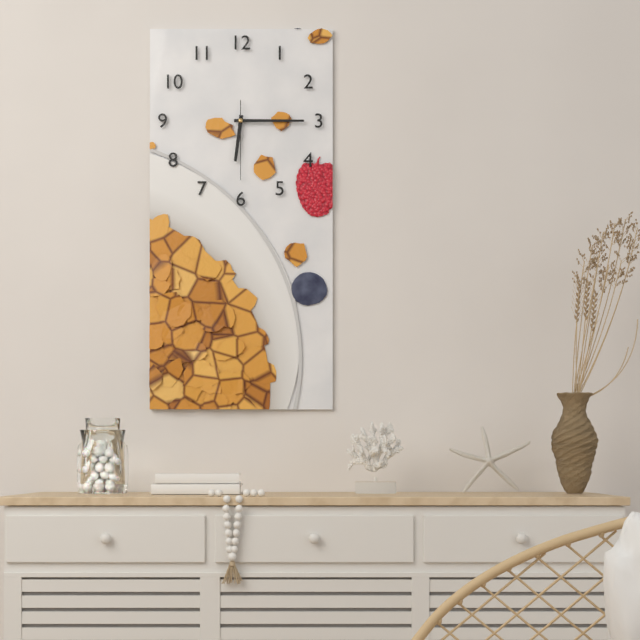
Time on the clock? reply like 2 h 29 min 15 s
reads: 6 h 15 min 30 s
